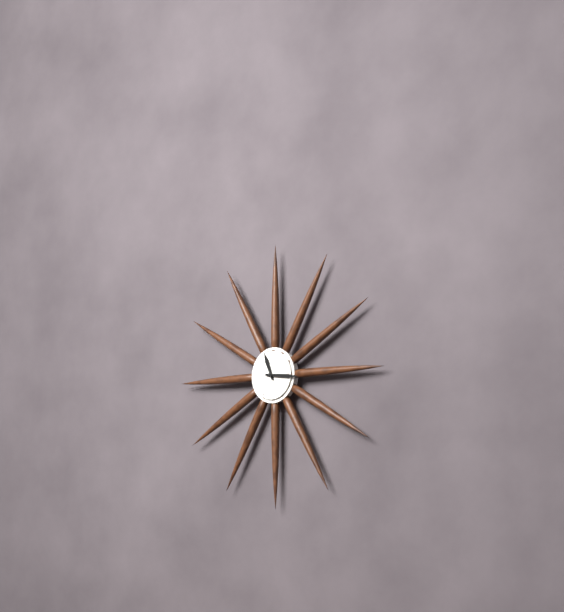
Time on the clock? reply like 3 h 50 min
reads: 11 h 16 min
